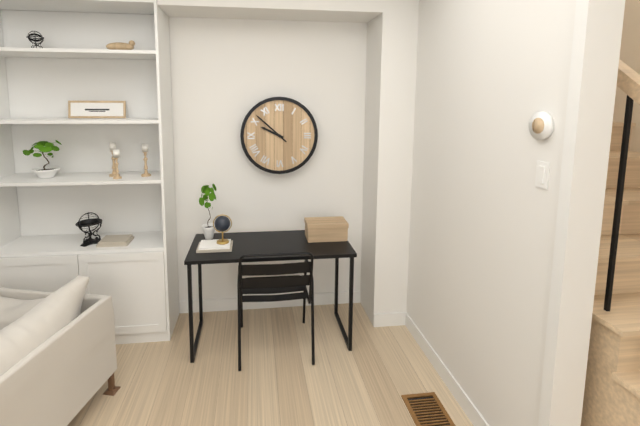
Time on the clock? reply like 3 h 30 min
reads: 9 h 52 min
